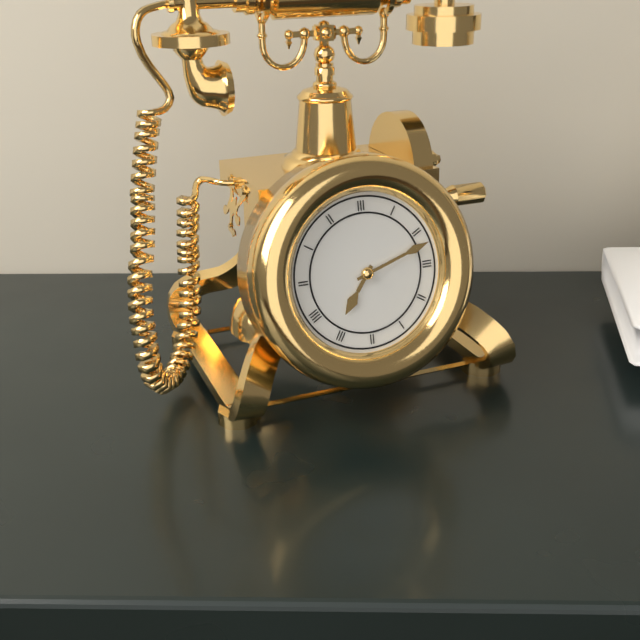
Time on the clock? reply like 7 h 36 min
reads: 7 h 12 min
